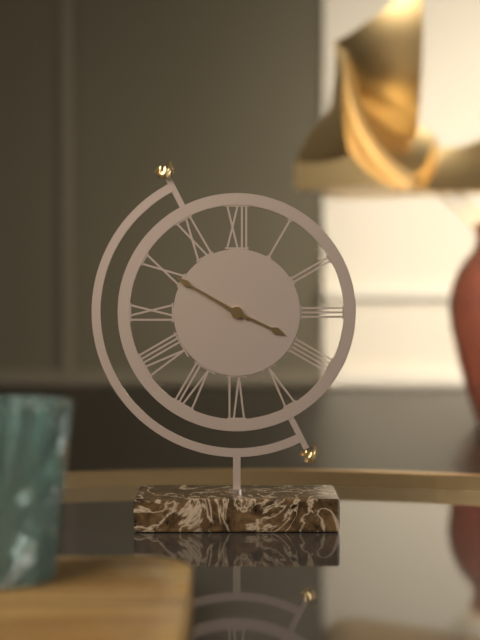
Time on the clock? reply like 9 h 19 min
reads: 3 h 50 min
